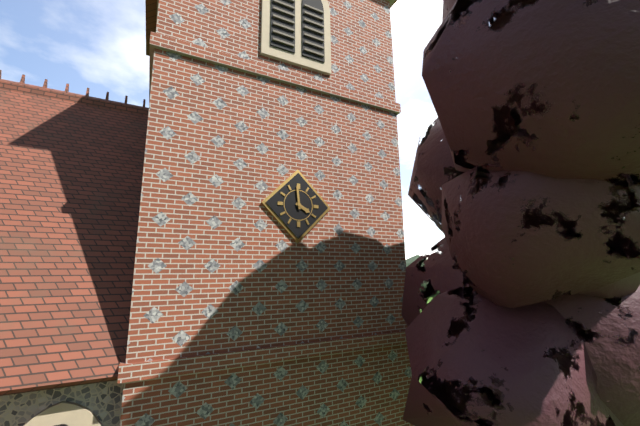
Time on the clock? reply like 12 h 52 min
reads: 3 h 59 min
